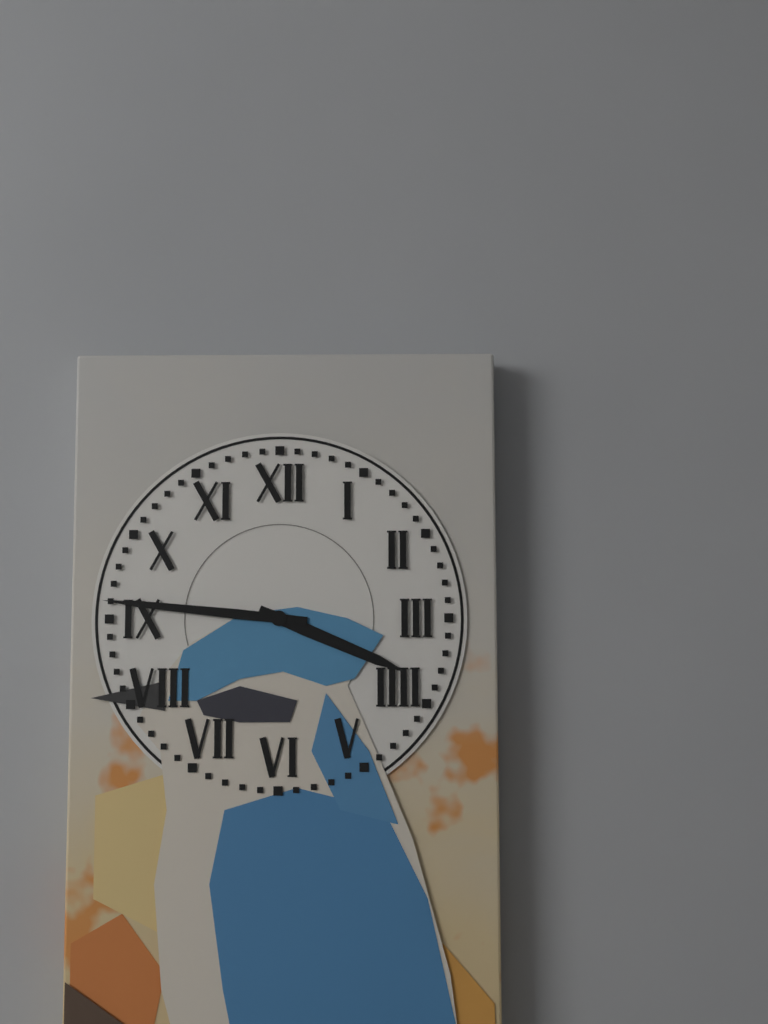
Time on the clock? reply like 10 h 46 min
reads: 3 h 46 min
